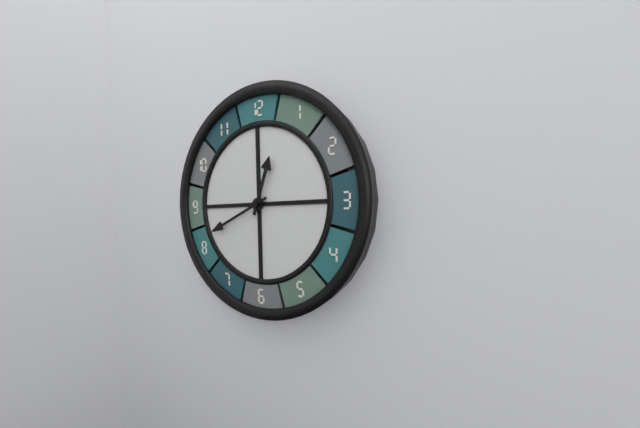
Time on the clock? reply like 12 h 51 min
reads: 12 h 41 min
